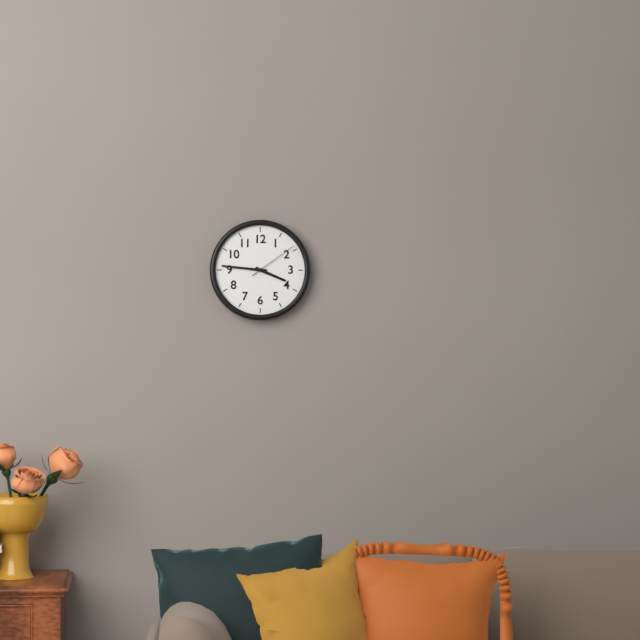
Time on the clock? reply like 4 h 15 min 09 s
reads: 3 h 46 min 09 s
